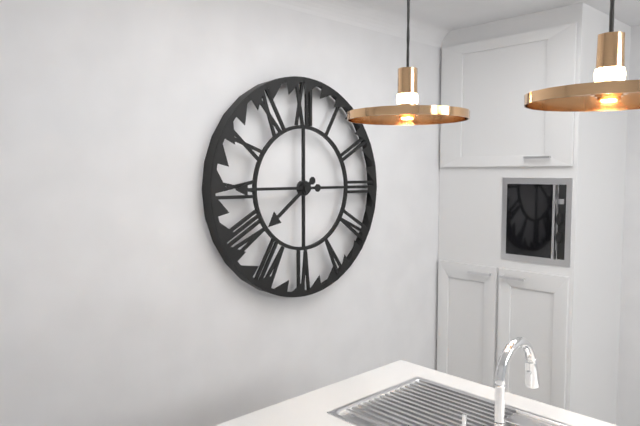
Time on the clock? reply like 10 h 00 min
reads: 7 h 45 min
